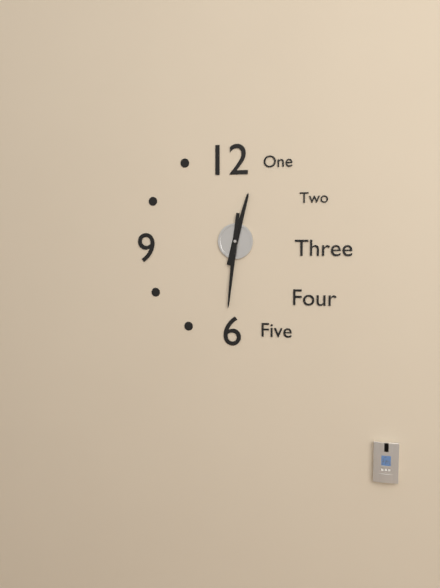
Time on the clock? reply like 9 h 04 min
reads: 12 h 31 min
